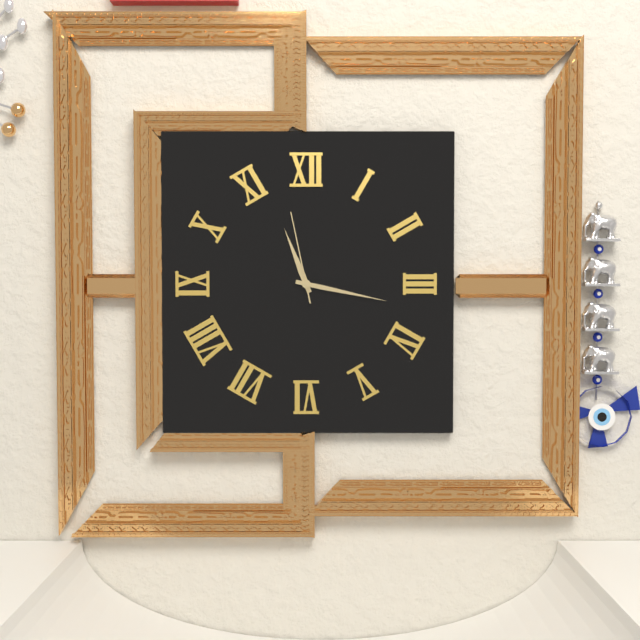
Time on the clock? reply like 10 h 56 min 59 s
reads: 11 h 17 min 58 s
